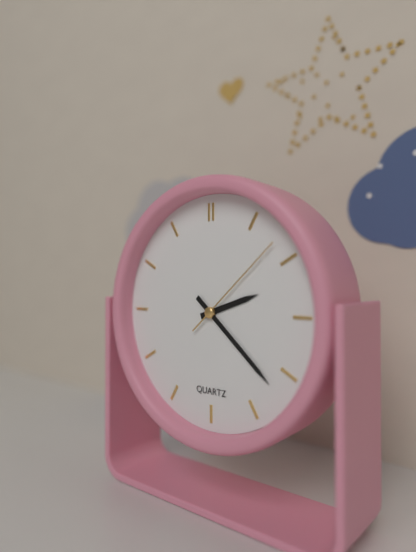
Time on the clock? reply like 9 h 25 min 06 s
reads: 2 h 22 min 08 s
